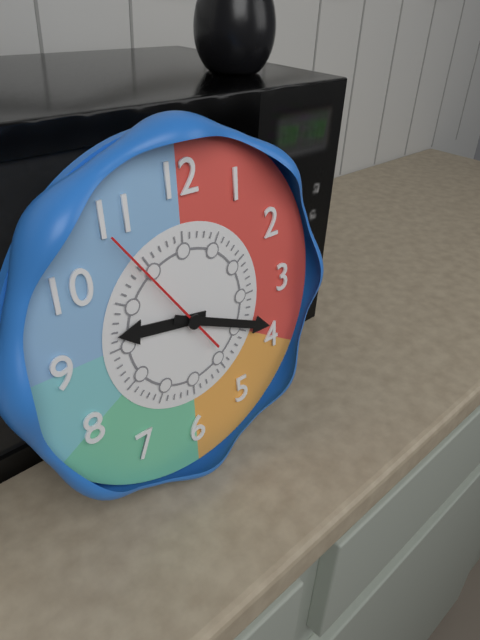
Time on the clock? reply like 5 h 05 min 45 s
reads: 9 h 19 min 54 s
